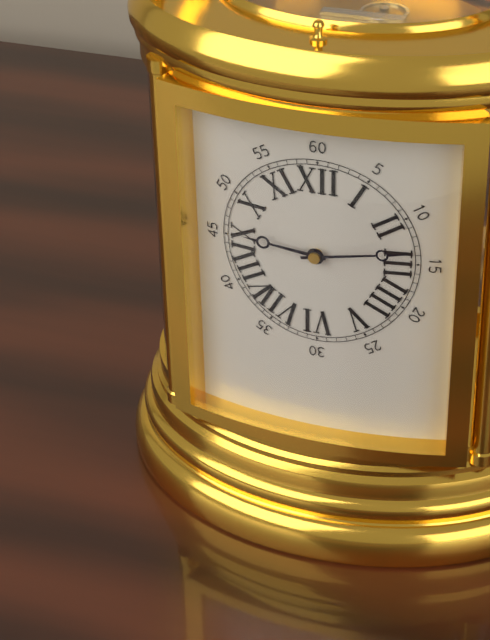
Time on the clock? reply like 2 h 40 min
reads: 9 h 13 min
